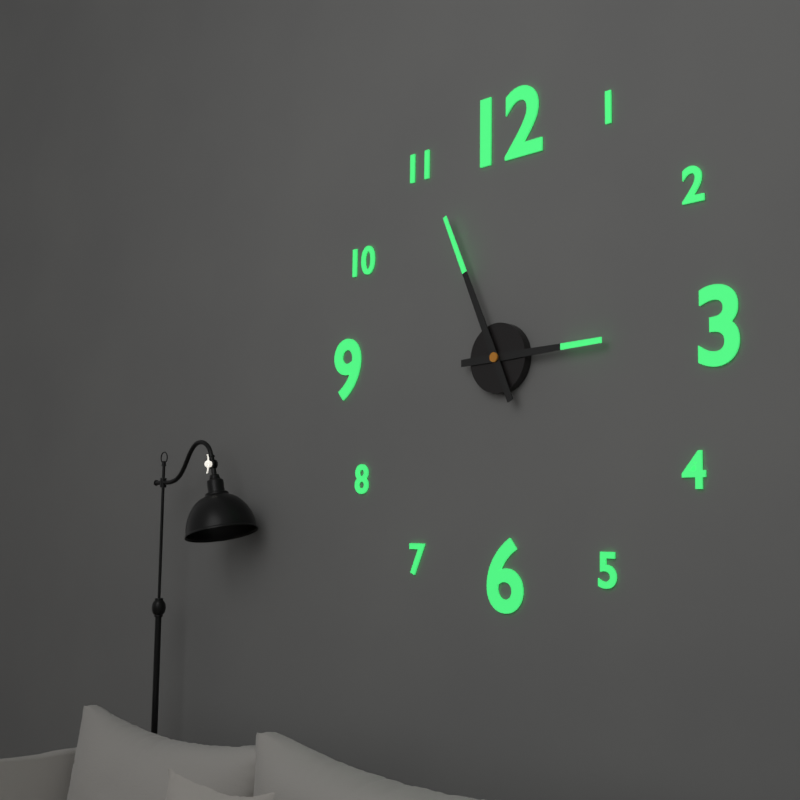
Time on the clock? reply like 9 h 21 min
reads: 2 h 56 min
